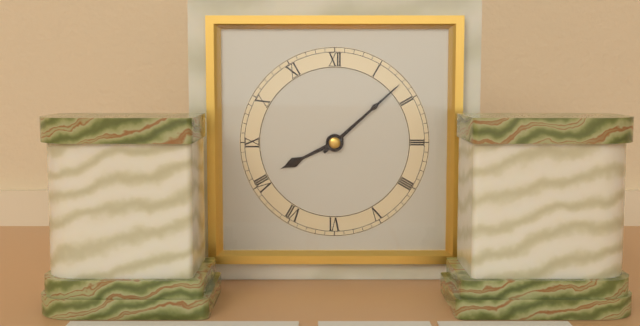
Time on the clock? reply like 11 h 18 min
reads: 8 h 08 min
